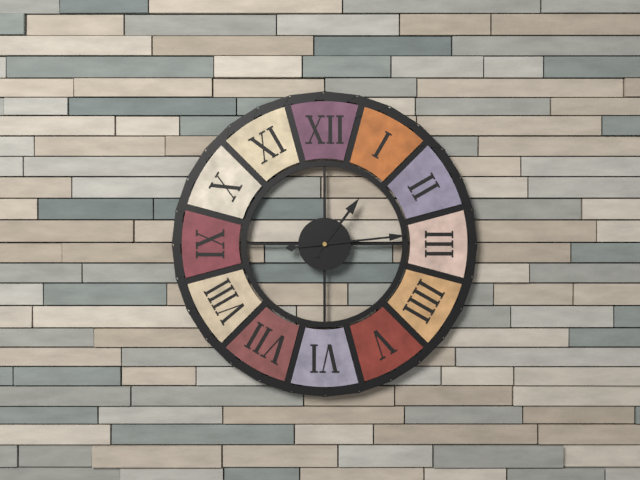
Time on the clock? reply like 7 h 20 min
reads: 1 h 14 min
